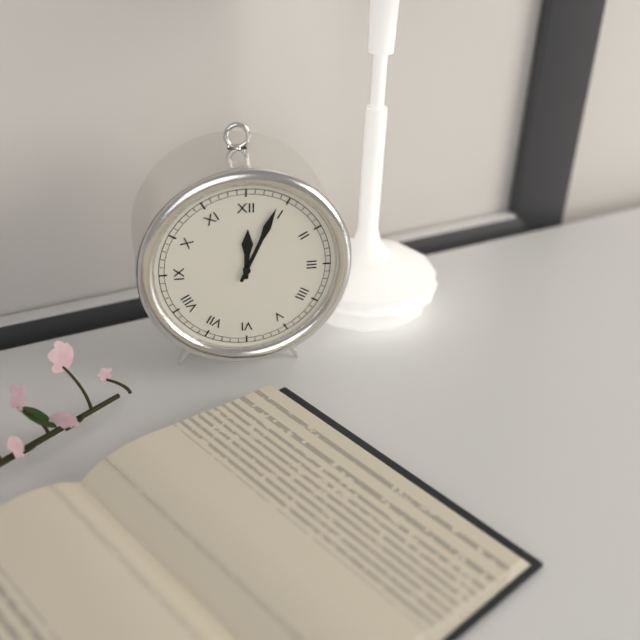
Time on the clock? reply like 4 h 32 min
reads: 12 h 04 min
